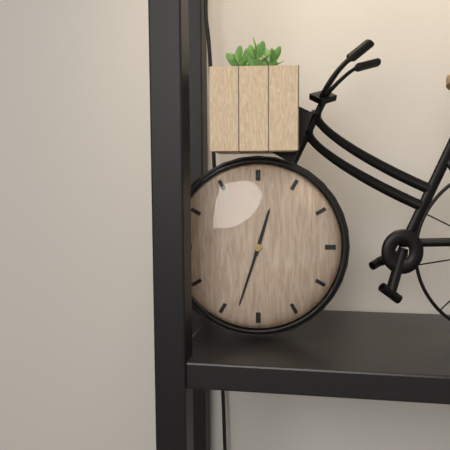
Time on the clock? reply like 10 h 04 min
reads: 12 h 33 min
